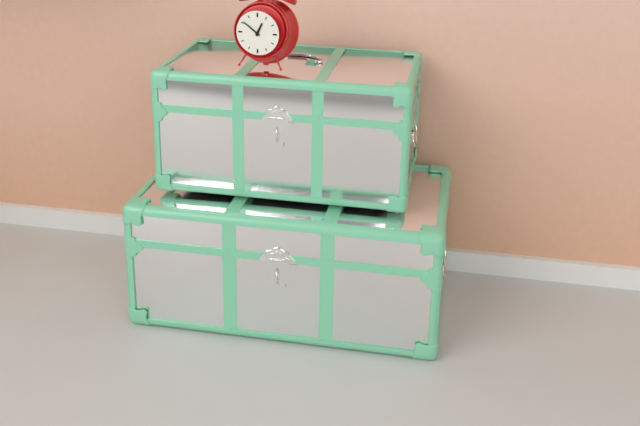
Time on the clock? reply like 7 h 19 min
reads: 12 h 51 min
